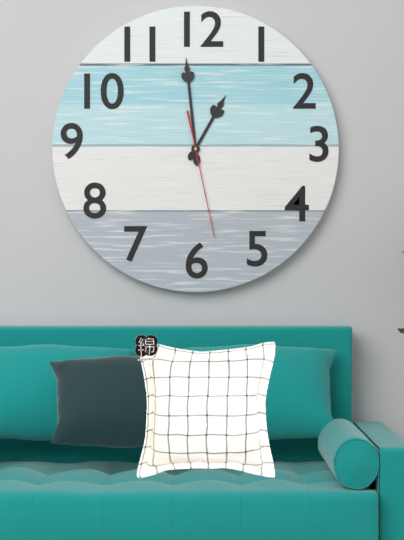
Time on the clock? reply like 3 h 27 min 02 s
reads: 12 h 59 min 28 s
